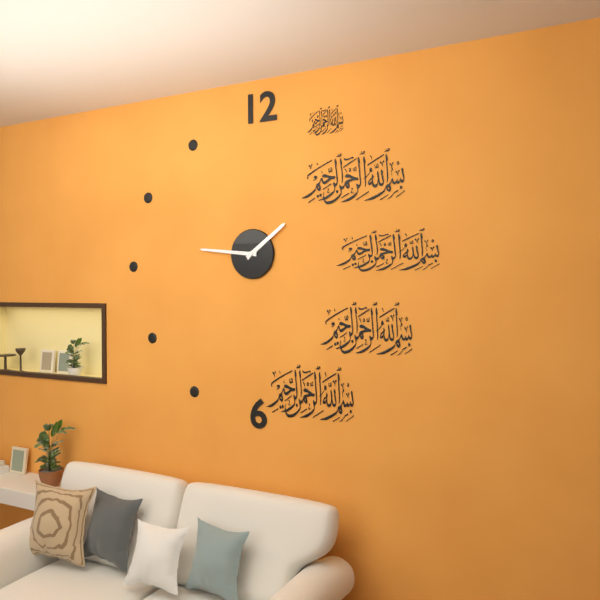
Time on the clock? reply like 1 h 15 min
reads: 1 h 46 min
